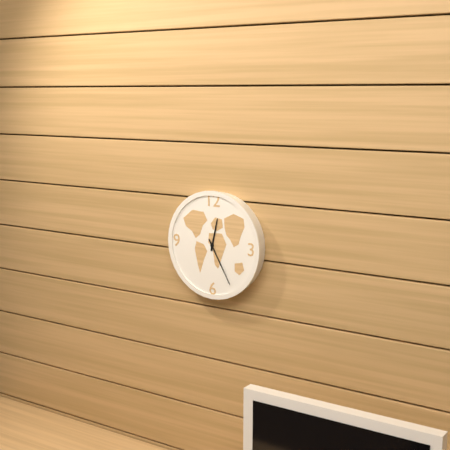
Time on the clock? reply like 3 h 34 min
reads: 12 h 25 min
